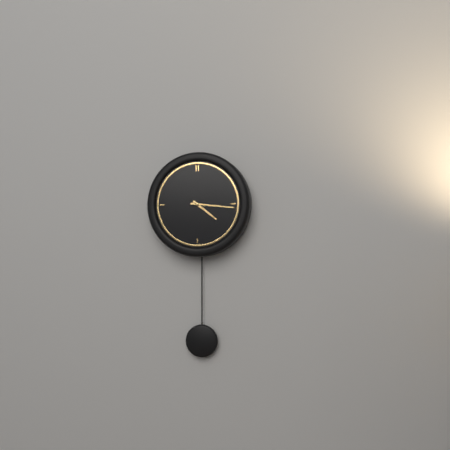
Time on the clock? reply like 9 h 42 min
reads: 4 h 16 min
